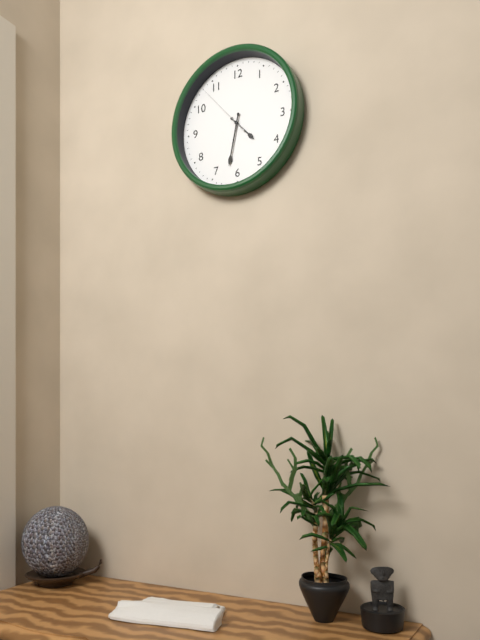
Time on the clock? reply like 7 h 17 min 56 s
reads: 4 h 32 min 53 s
